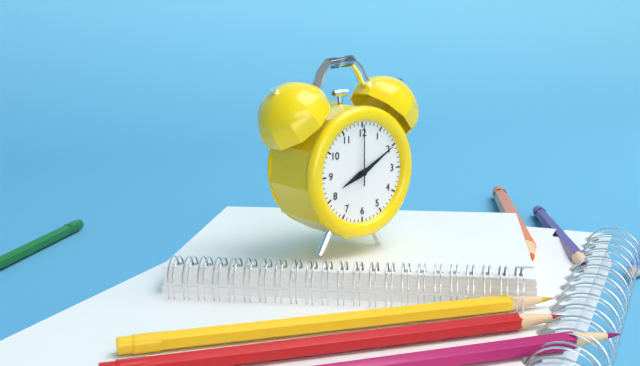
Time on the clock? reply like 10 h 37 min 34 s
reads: 8 h 10 min 00 s
